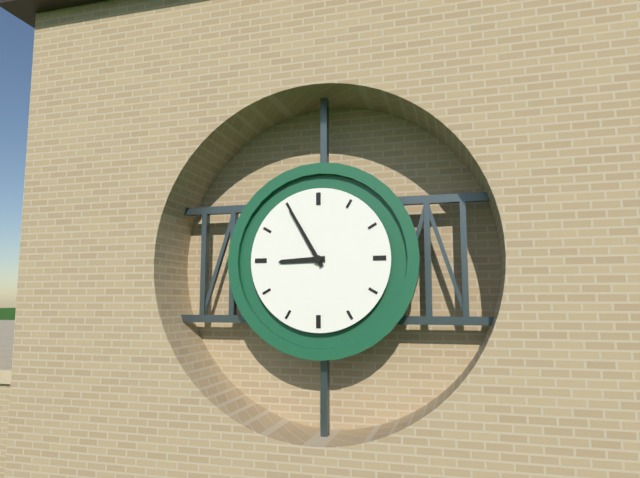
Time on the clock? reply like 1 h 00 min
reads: 8 h 55 min
